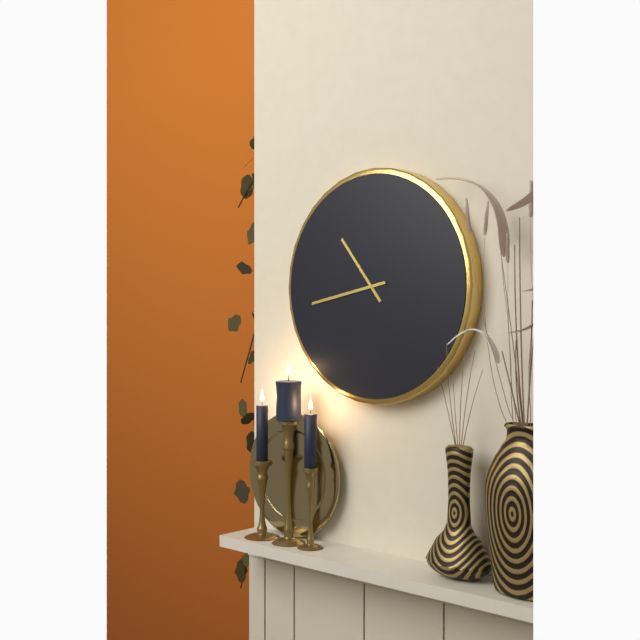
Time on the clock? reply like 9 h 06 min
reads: 10 h 43 min
